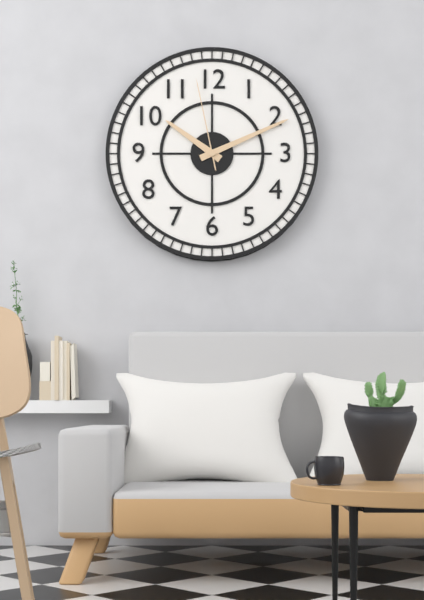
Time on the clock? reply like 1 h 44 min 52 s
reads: 10 h 11 min 58 s
